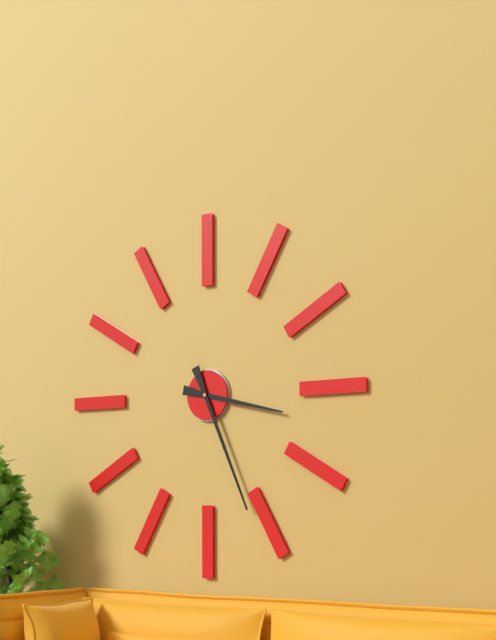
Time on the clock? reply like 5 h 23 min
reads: 3 h 26 min
